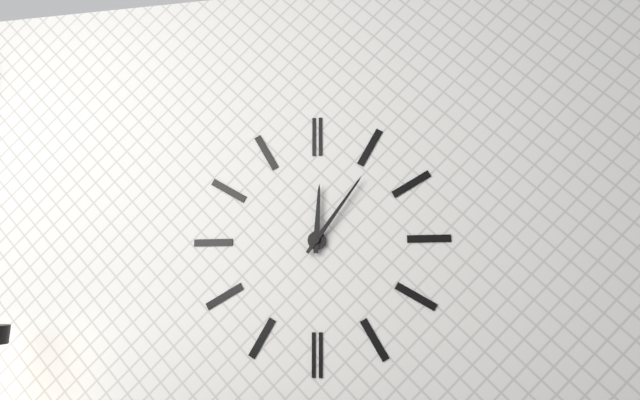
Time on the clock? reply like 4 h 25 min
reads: 12 h 06 min
